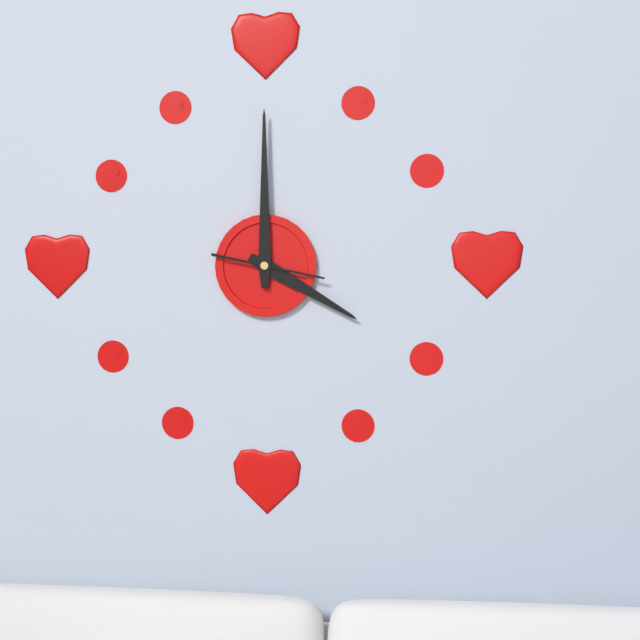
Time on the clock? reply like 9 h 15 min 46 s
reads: 4 h 00 min 17 s
